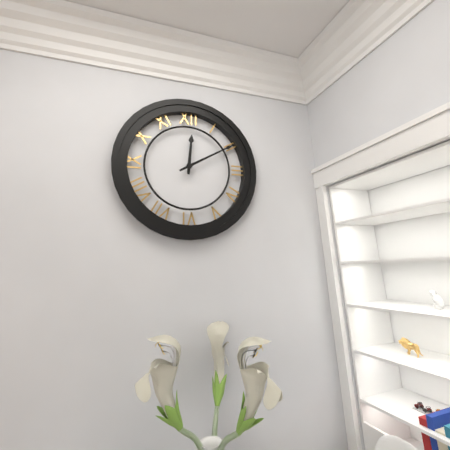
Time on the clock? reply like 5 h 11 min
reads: 12 h 10 min
